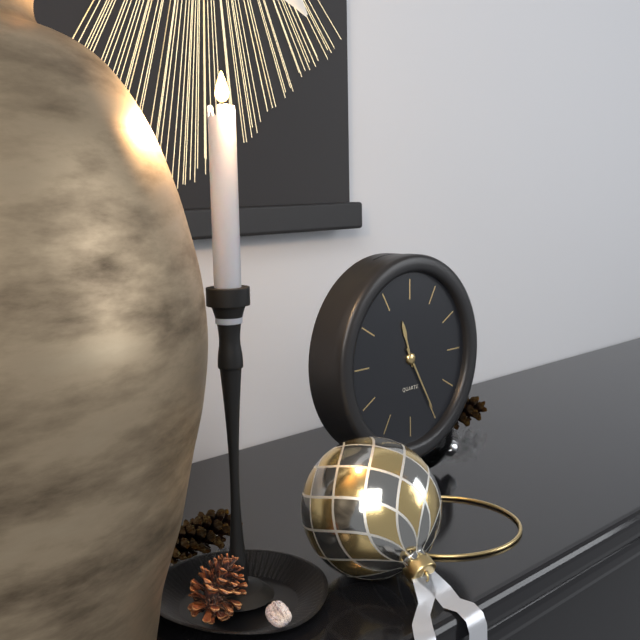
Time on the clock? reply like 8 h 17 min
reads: 11 h 25 min
